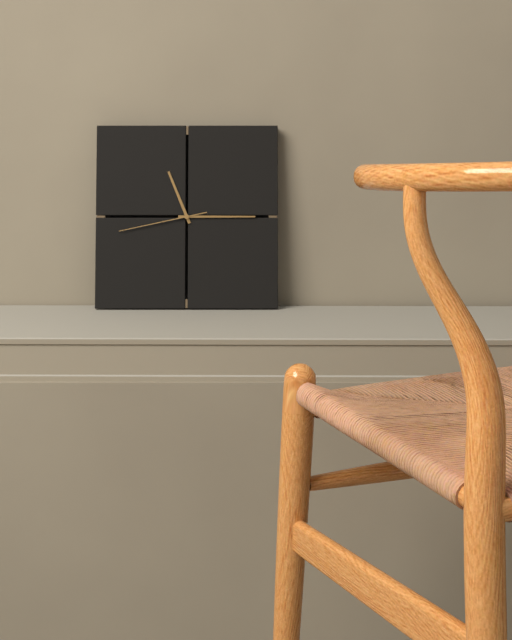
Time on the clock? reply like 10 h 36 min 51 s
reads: 11 h 15 min 43 s
